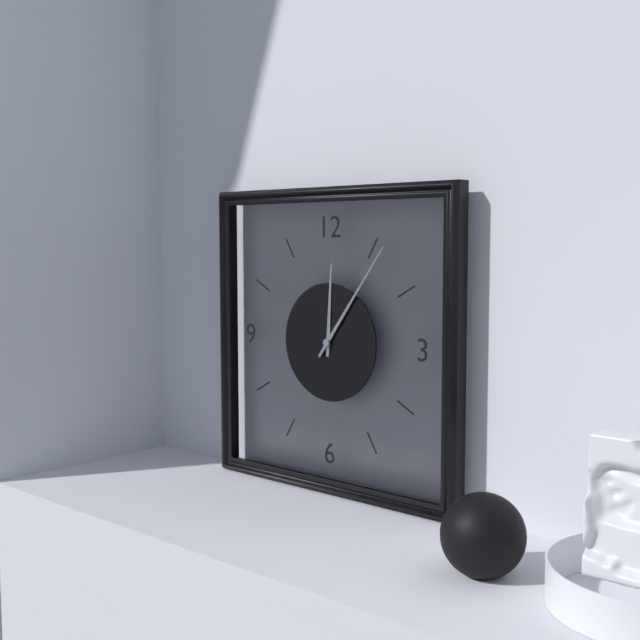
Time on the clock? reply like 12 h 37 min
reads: 12 h 06 min
